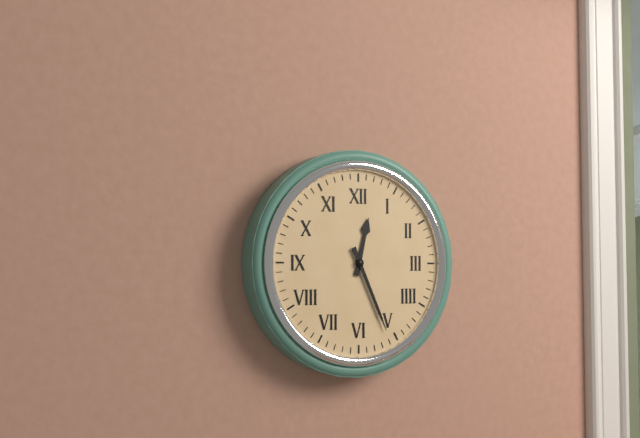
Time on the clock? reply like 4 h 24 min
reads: 12 h 26 min
